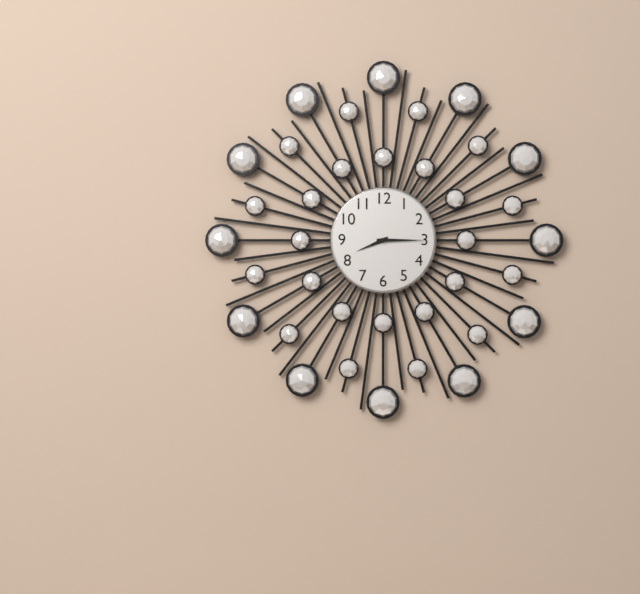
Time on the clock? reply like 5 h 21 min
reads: 8 h 15 min
